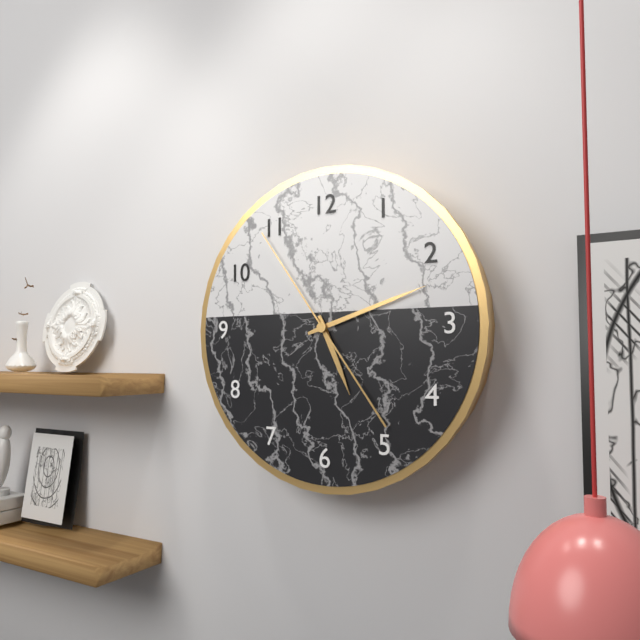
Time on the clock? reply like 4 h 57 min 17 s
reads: 5 h 12 min 54 s
